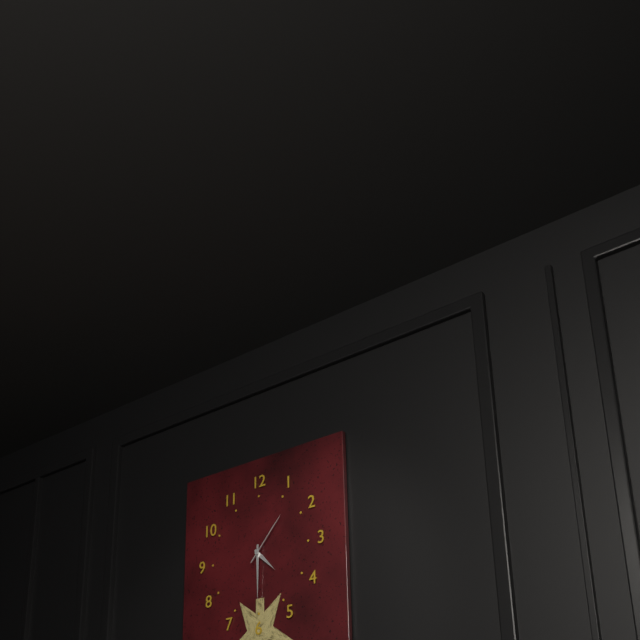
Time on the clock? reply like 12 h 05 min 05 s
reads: 4 h 30 min 07 s
